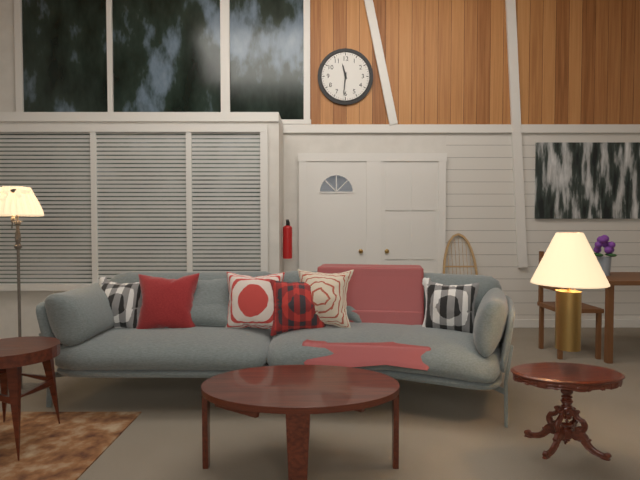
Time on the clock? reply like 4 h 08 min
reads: 11 h 31 min
